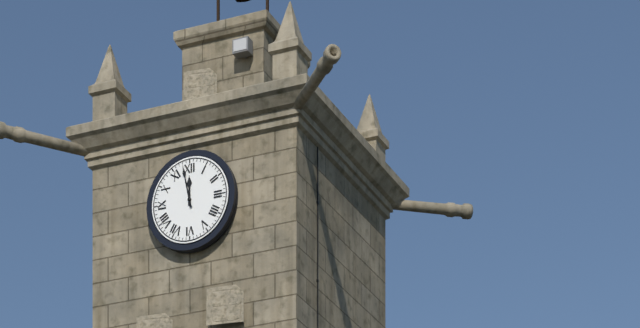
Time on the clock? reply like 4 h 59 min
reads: 11 h 58 min
